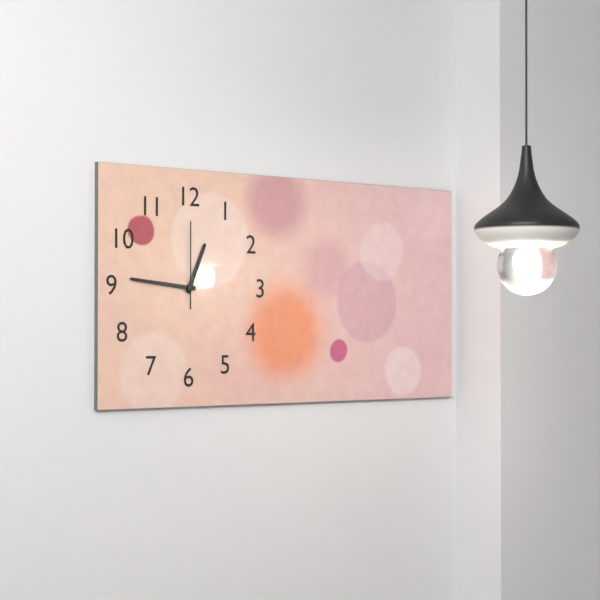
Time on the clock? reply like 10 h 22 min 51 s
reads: 12 h 46 min 00 s
